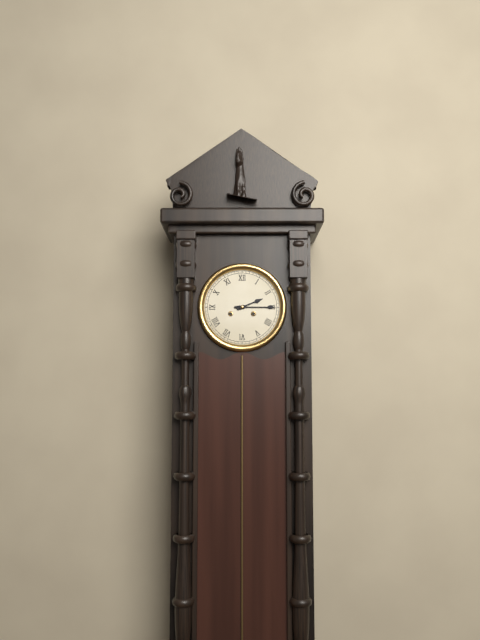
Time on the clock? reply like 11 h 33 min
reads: 2 h 15 min
